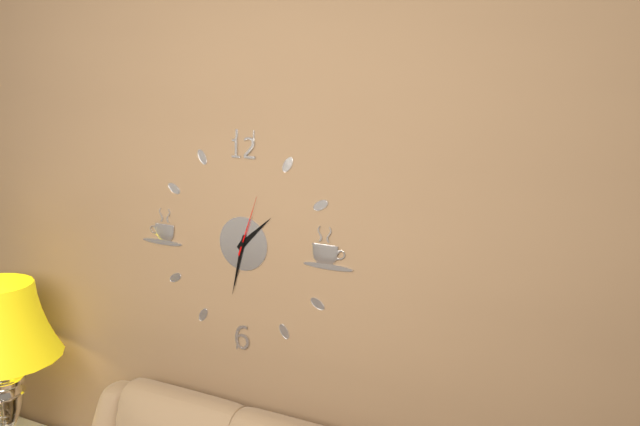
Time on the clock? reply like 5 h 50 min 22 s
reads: 1 h 32 min 03 s
